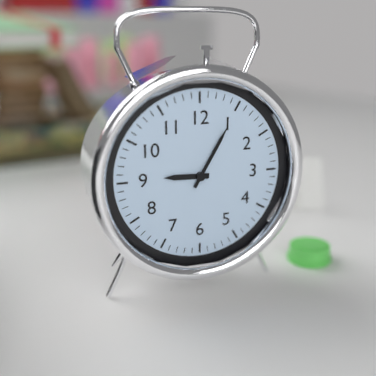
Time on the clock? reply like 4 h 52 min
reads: 9 h 05 min
